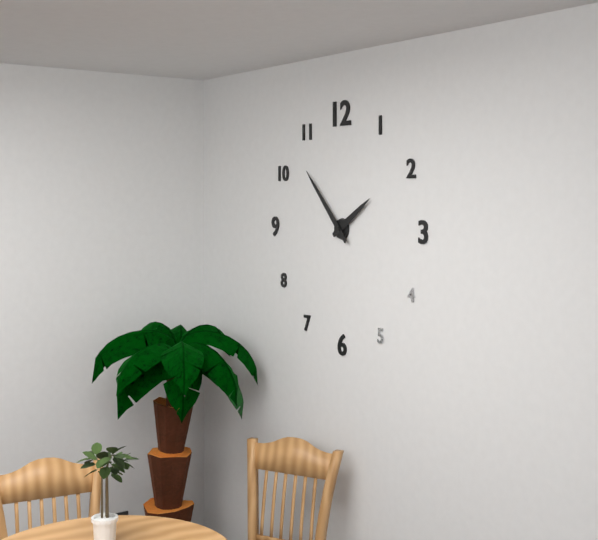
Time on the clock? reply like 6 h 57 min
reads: 1 h 53 min
